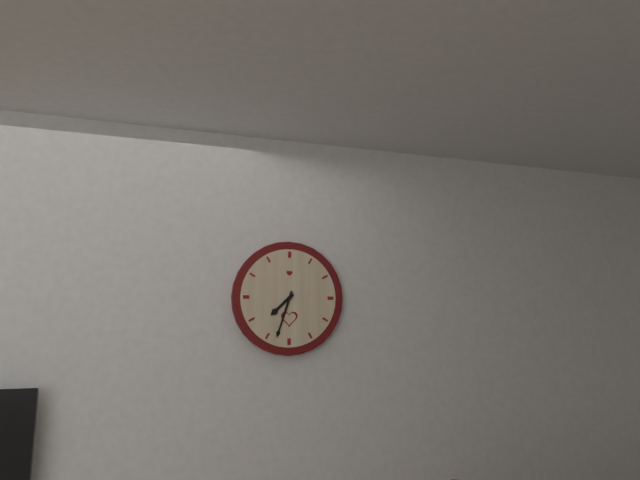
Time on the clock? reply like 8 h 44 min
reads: 7 h 33 min
